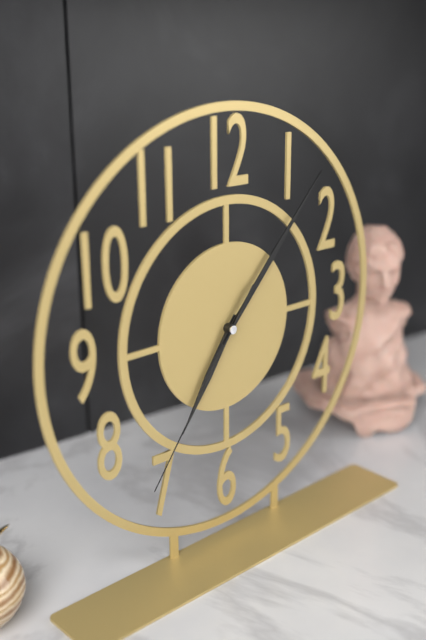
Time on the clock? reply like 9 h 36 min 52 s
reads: 7 h 07 min 36 s
